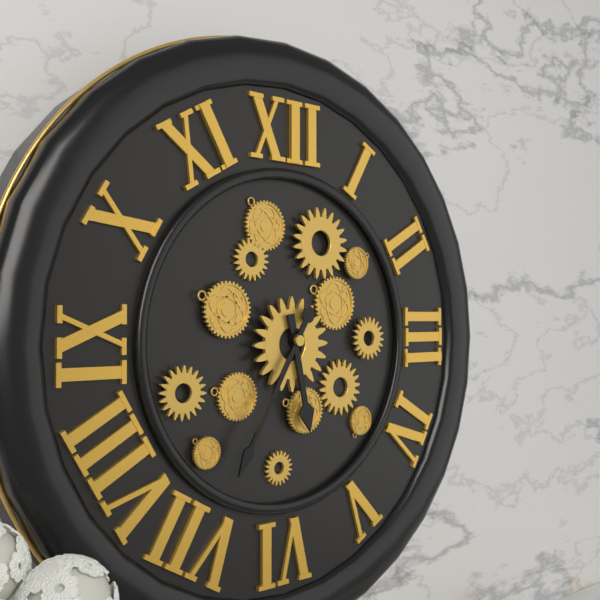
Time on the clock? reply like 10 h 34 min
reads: 5 h 35 min
